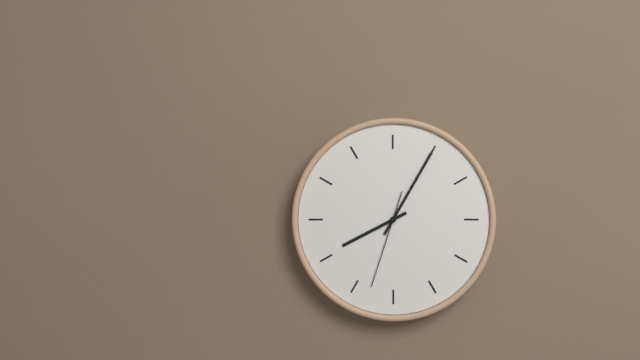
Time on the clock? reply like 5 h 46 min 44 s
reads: 8 h 05 min 33 s
